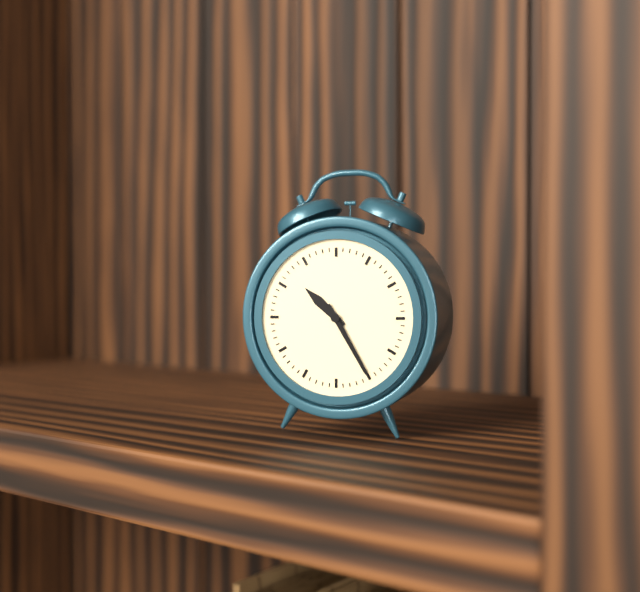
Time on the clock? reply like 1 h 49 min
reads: 10 h 25 min
